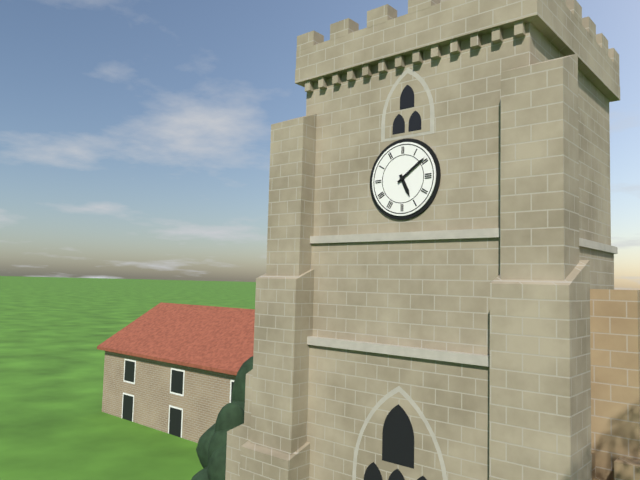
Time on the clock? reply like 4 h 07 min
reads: 5 h 09 min
